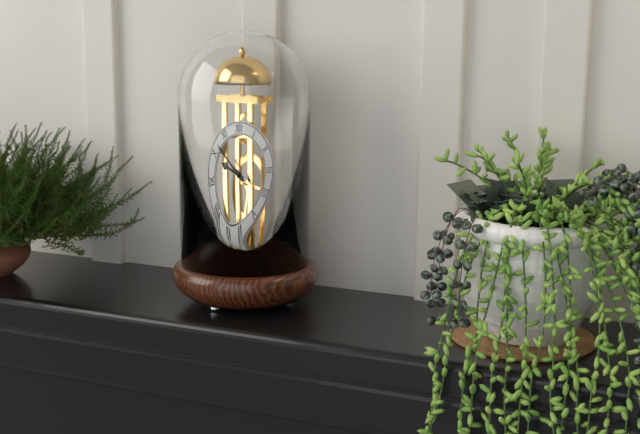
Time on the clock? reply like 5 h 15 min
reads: 9 h 52 min
